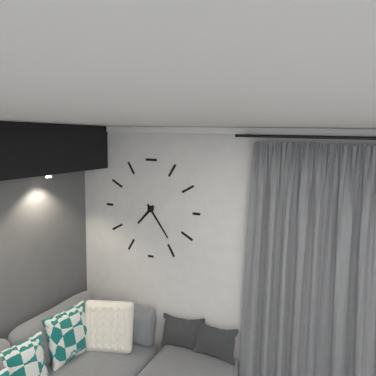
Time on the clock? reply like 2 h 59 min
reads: 7 h 24 min
